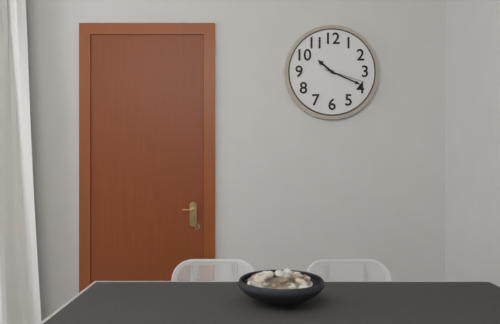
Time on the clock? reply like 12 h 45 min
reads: 10 h 19 min
